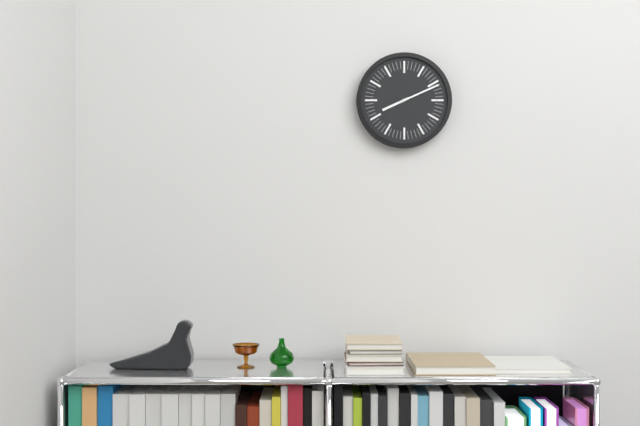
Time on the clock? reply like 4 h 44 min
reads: 8 h 11 min
